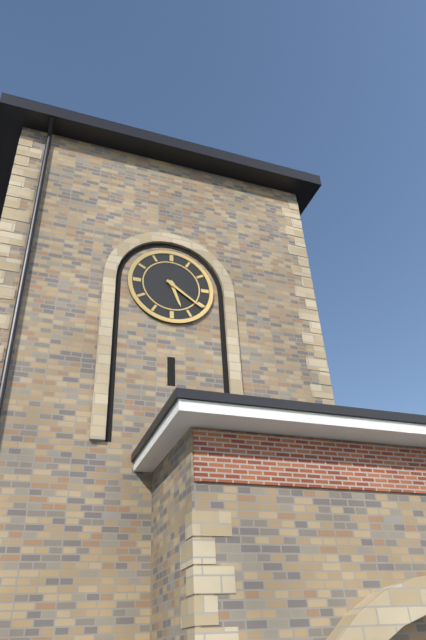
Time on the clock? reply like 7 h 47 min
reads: 5 h 21 min
